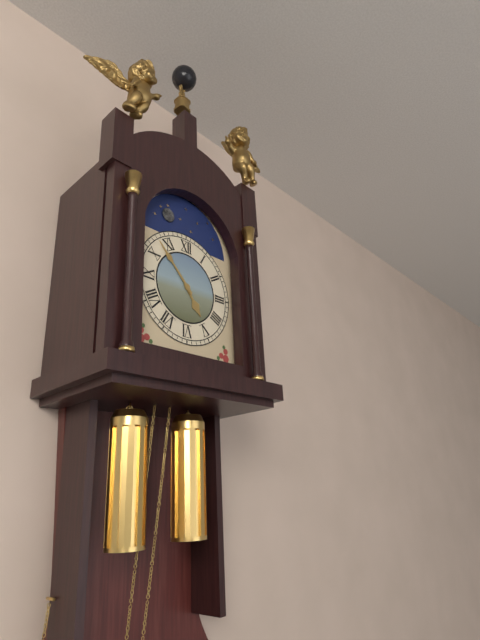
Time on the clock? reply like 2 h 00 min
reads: 4 h 53 min
